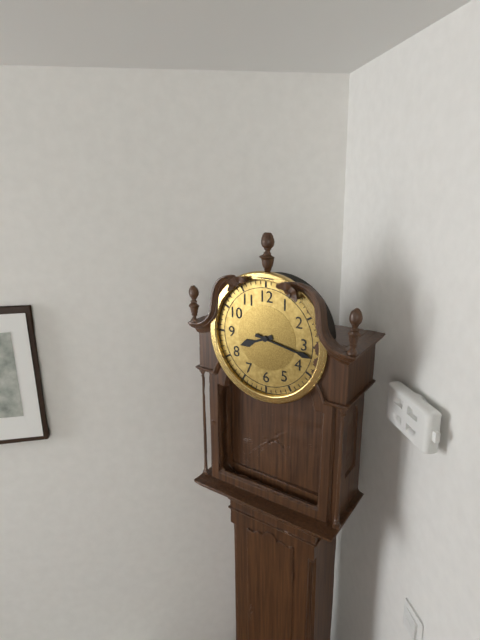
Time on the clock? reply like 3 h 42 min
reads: 8 h 17 min
